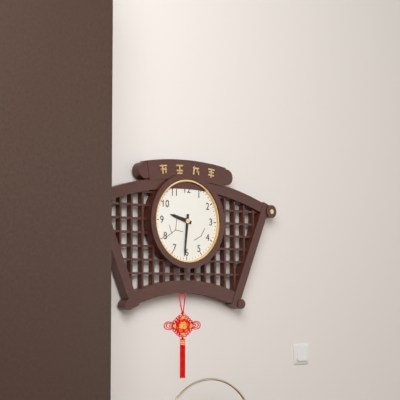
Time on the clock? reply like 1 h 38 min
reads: 9 h 31 min
